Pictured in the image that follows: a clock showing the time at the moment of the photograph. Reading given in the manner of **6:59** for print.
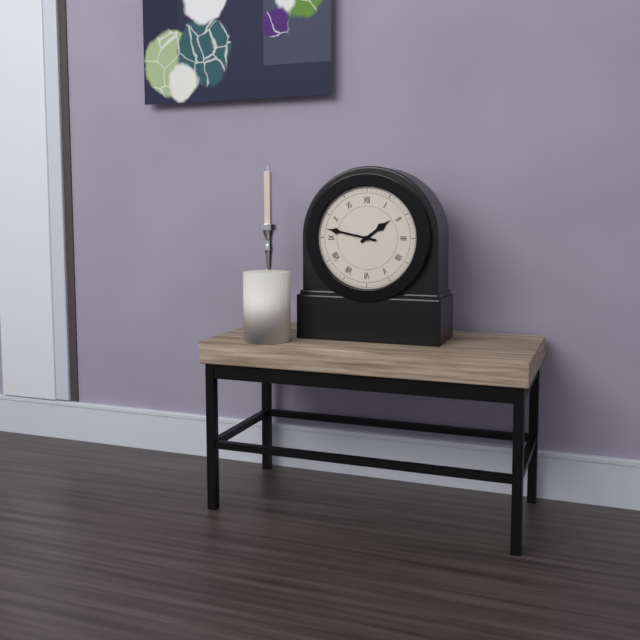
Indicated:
**1:47**
